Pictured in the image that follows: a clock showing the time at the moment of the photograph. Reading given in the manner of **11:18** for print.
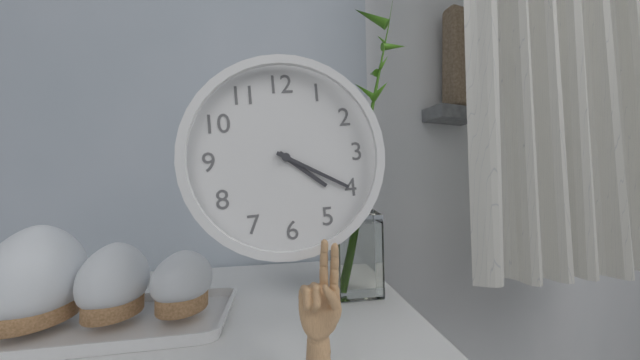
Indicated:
**4:20**
